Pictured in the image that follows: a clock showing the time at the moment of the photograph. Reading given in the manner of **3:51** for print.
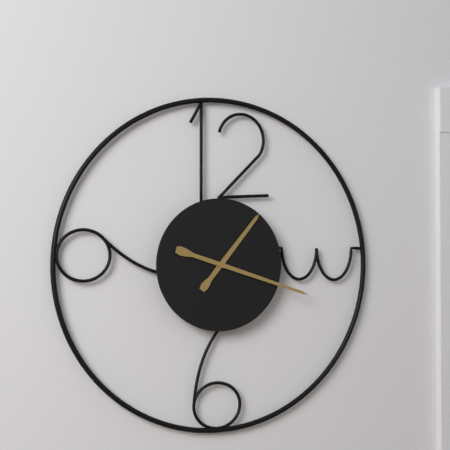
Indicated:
**1:18**
